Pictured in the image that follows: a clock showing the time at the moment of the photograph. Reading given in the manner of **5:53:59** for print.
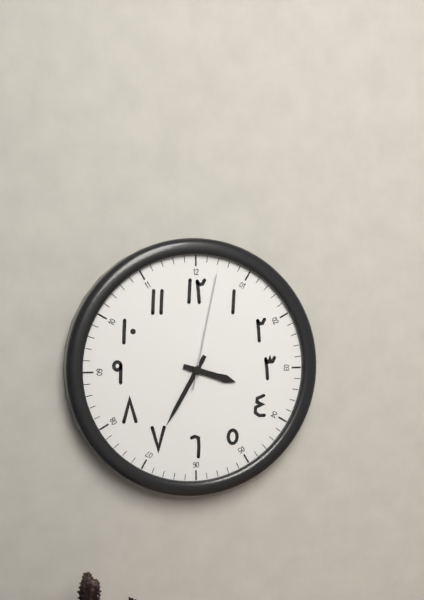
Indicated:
**3:35:02**
